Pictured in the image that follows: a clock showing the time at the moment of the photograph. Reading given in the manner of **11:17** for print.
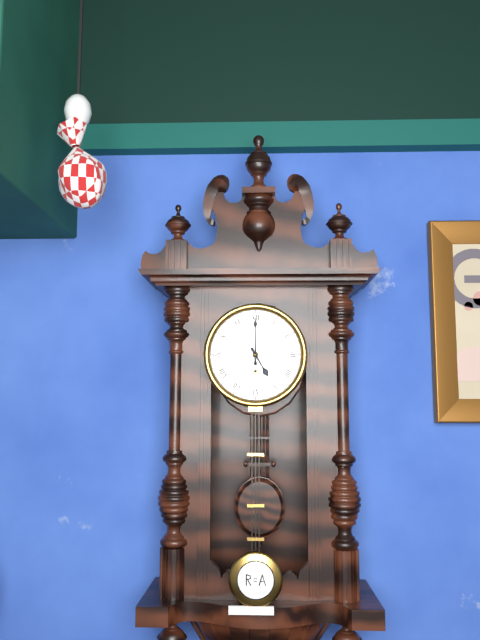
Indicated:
**5:00**
